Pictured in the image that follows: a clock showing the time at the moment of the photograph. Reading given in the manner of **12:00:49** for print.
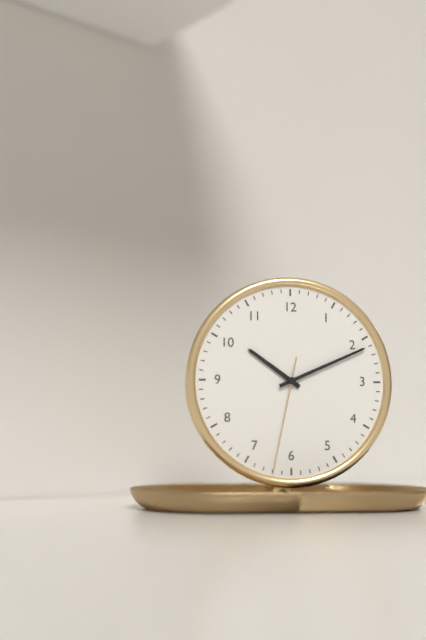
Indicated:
**10:11:32**
